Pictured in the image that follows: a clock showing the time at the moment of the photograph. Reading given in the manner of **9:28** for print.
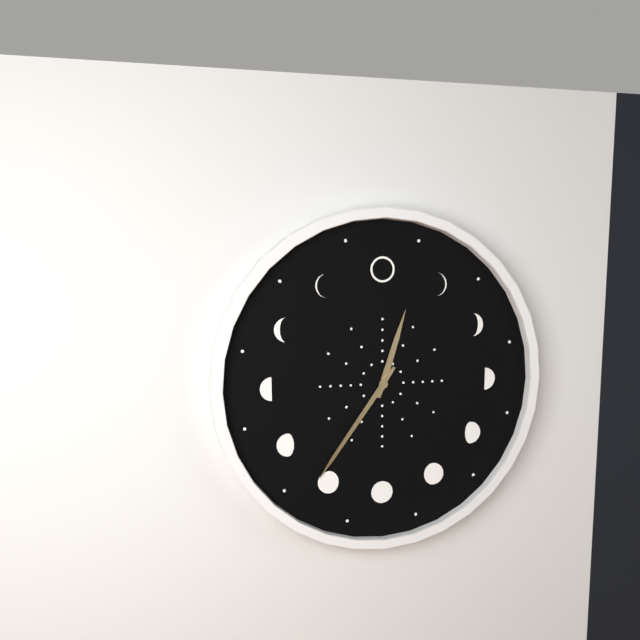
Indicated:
**12:36**
